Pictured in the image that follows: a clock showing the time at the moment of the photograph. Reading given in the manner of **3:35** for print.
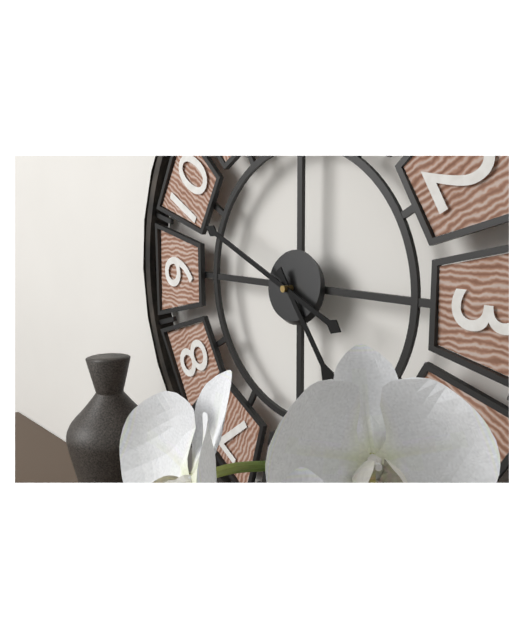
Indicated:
**4:49**
